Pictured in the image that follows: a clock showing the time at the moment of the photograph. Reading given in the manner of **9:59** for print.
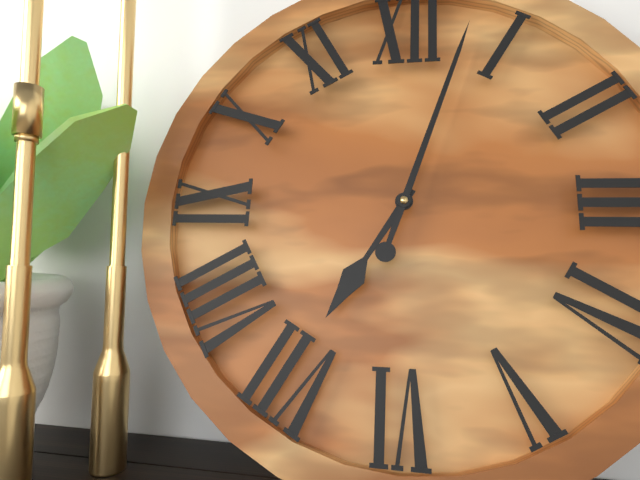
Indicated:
**7:03**
